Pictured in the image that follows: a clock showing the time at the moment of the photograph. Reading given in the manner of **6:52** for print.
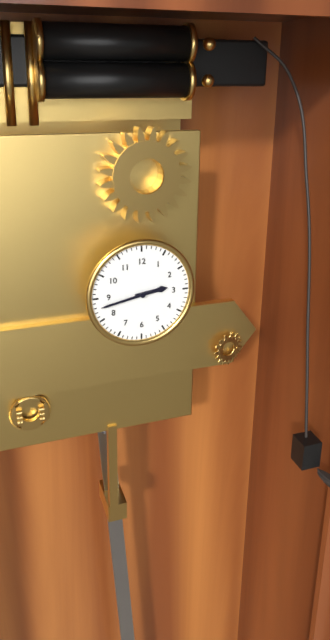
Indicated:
**2:43**
